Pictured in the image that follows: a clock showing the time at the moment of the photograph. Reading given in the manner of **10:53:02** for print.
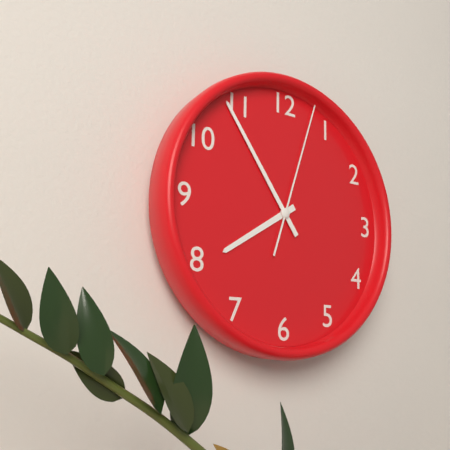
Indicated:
**7:54:03**
